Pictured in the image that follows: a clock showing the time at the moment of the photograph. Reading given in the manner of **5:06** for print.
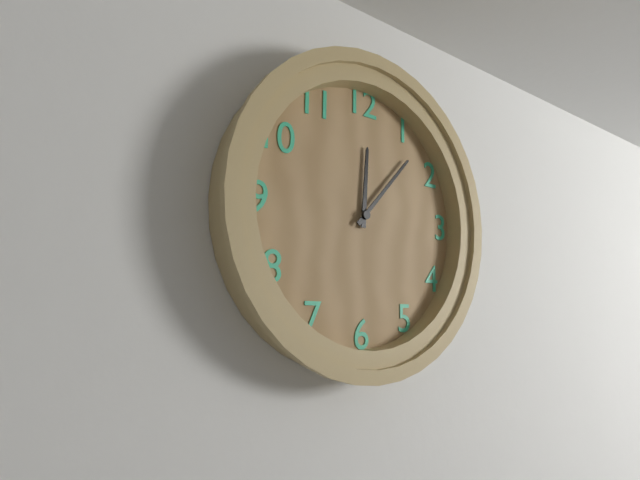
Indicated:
**12:07**
